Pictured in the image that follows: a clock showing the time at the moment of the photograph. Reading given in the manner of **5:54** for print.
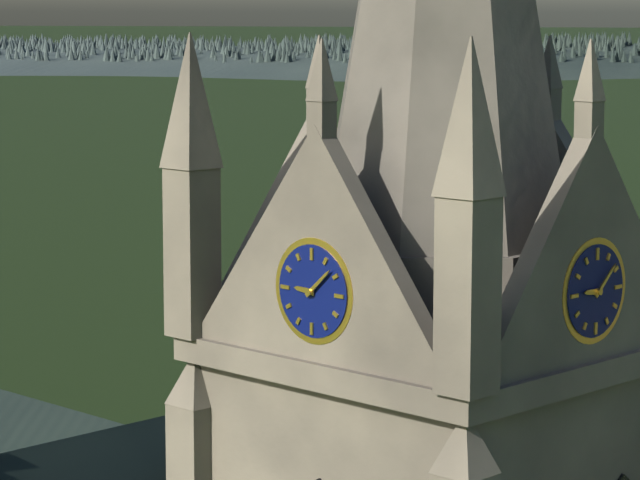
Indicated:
**9:08**
